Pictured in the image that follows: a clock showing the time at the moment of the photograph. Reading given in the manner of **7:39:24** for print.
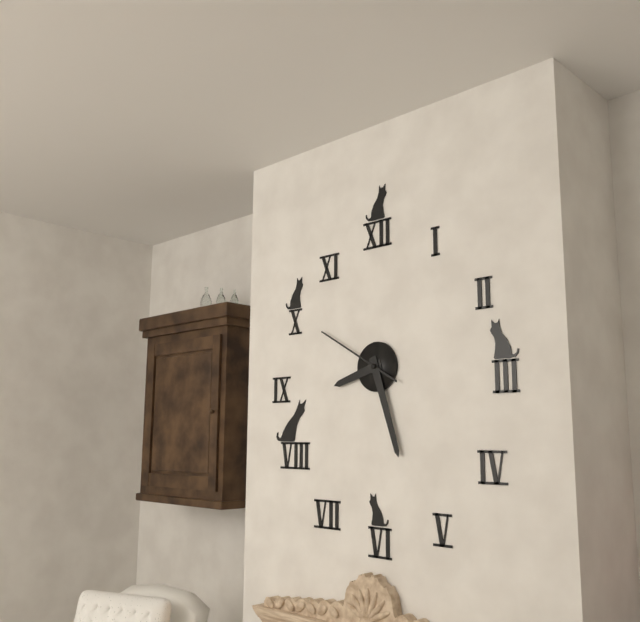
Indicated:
**8:27:50**
